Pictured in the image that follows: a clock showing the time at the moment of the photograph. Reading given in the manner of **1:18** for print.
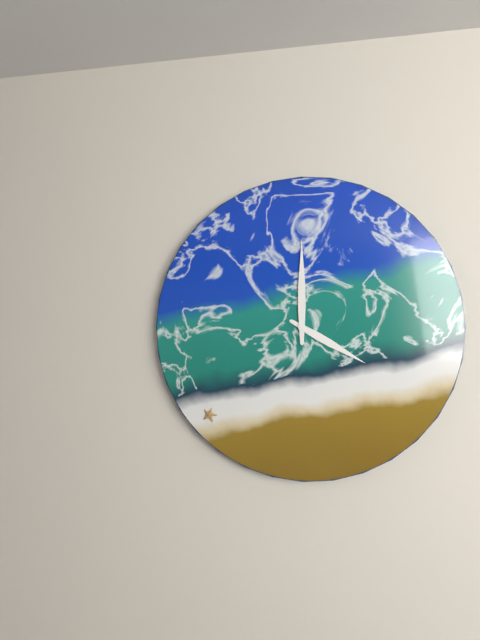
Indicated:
**4:00**
